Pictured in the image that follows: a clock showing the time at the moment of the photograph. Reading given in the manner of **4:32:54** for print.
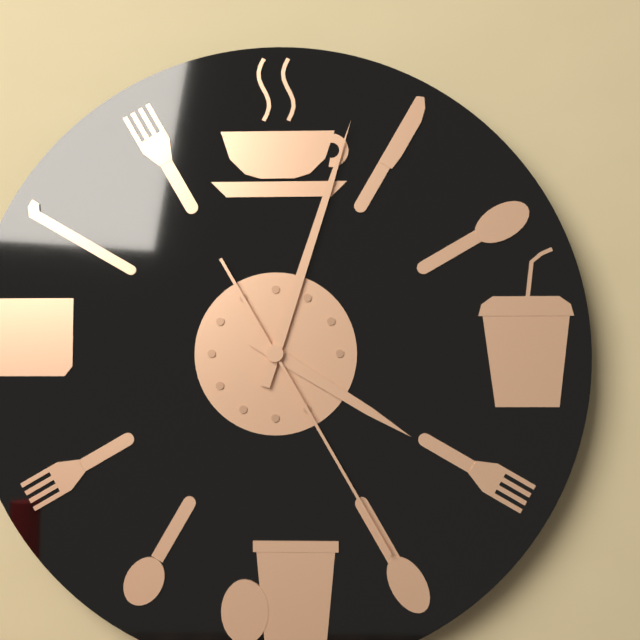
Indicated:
**4:03:25**
